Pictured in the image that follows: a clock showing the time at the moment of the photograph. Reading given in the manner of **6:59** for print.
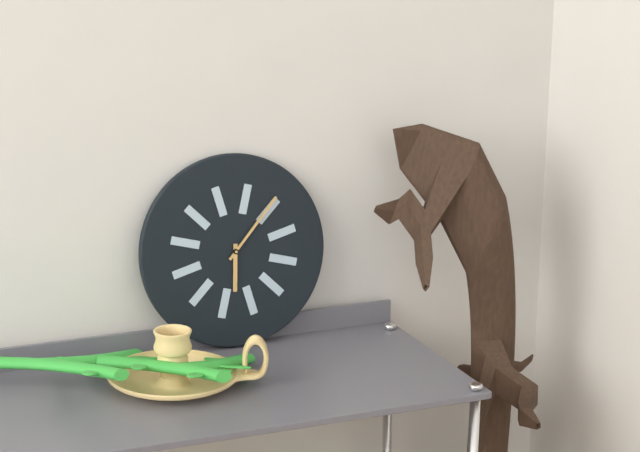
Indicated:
**6:07**
